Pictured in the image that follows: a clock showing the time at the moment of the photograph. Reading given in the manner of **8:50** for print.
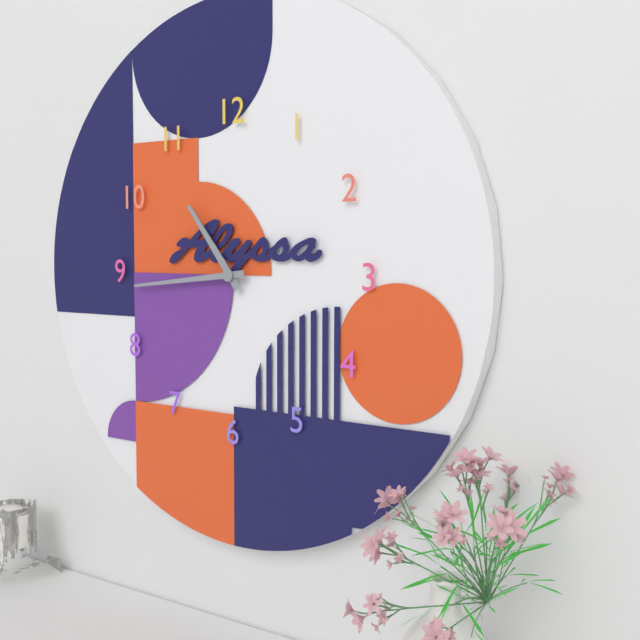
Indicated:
**10:44**
